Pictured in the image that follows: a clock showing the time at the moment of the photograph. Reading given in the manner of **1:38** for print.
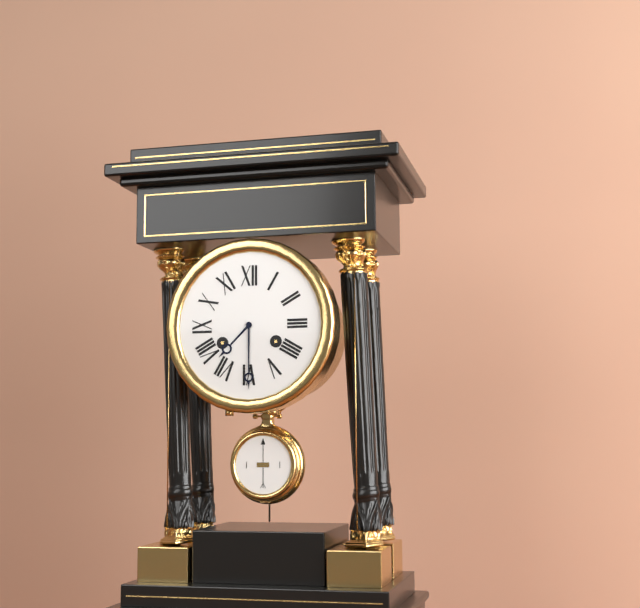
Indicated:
**7:30**
